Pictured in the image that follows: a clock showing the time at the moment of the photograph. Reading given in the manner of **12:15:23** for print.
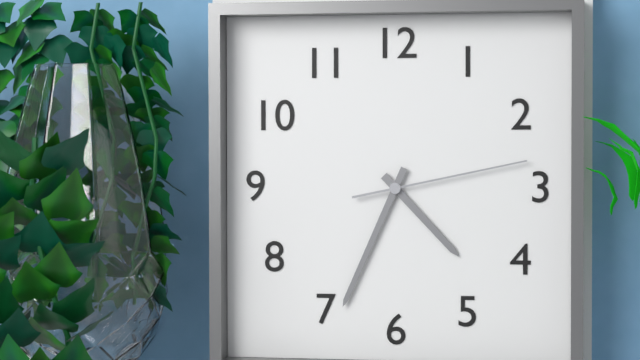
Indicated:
**4:34:13**
